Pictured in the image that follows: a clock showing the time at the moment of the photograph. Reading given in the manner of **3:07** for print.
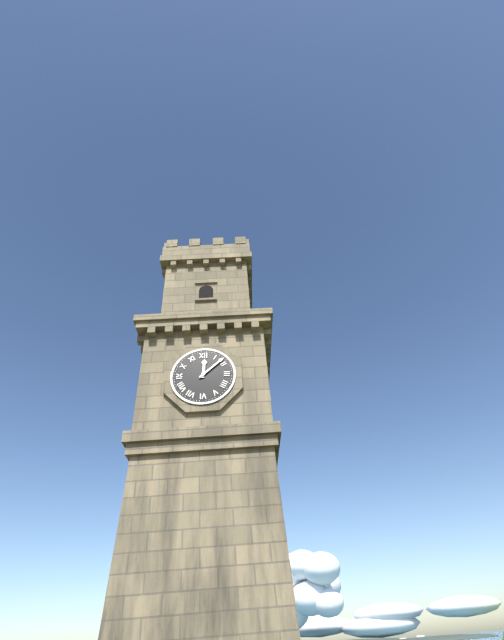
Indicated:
**12:08**
